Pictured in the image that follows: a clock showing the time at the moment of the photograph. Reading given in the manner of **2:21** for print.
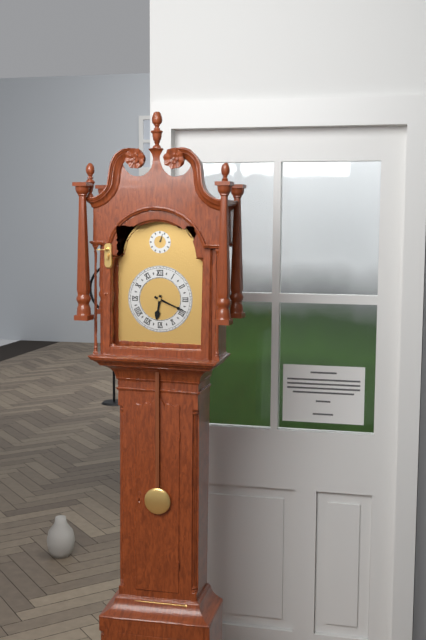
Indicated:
**6:19**
